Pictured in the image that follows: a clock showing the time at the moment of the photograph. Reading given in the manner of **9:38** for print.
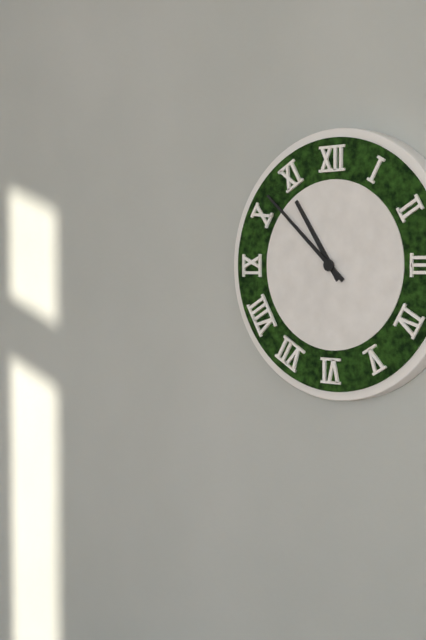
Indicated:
**10:52**
